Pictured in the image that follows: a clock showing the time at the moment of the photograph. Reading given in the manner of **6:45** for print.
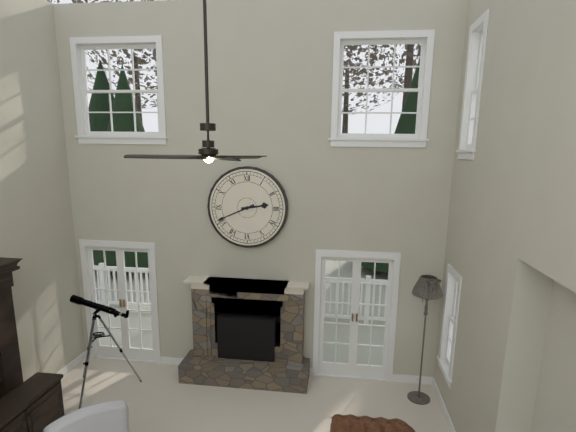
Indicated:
**2:41**
